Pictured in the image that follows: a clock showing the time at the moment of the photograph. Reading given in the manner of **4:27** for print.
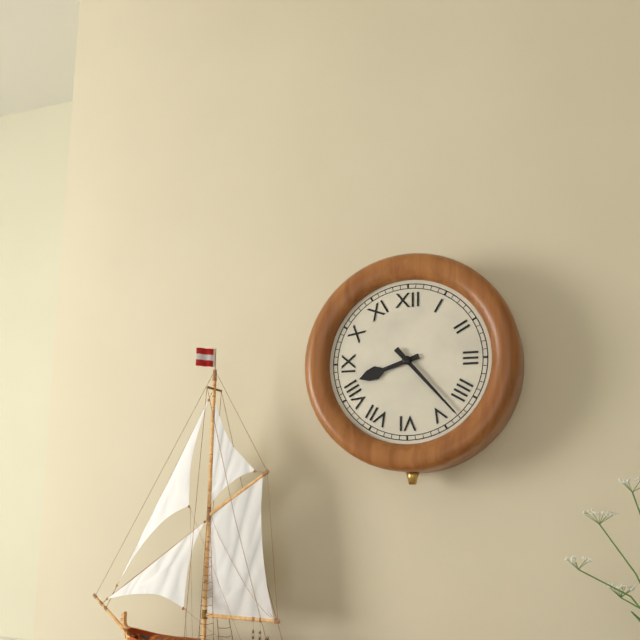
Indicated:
**8:23**
